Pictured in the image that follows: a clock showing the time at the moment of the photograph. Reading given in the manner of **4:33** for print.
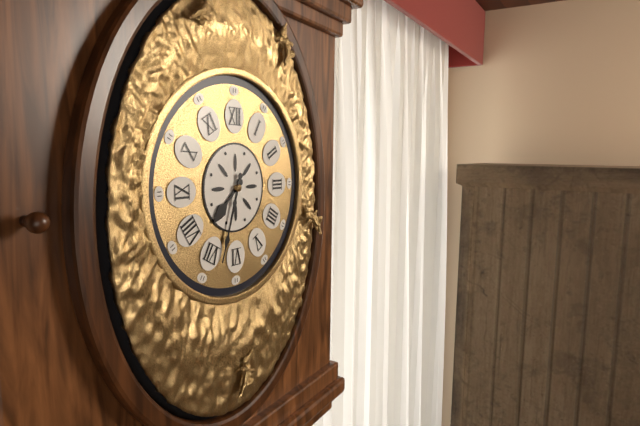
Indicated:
**7:33**
